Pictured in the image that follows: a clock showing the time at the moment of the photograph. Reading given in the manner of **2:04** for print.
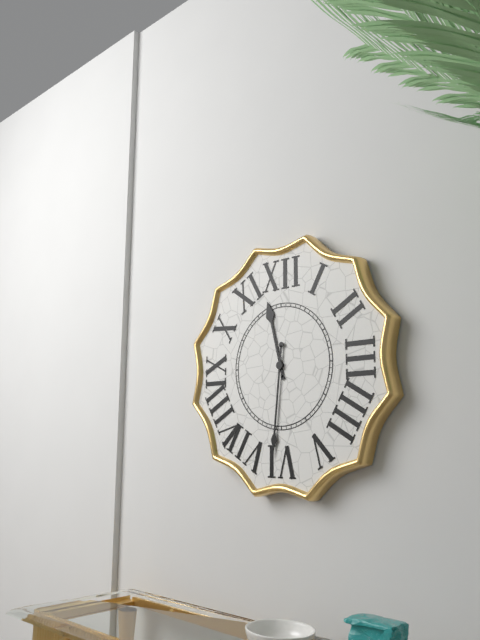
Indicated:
**11:31**
